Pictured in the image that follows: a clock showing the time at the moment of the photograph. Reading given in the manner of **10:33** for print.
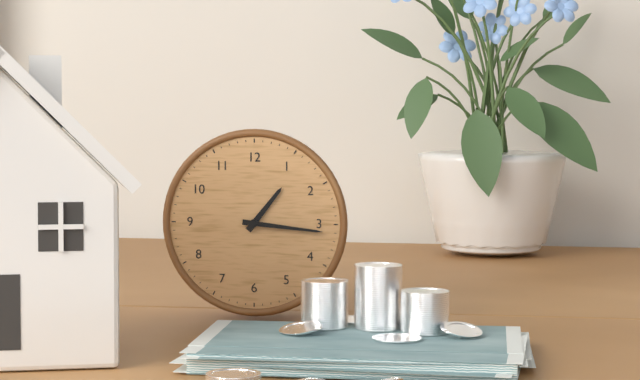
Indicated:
**1:16**
